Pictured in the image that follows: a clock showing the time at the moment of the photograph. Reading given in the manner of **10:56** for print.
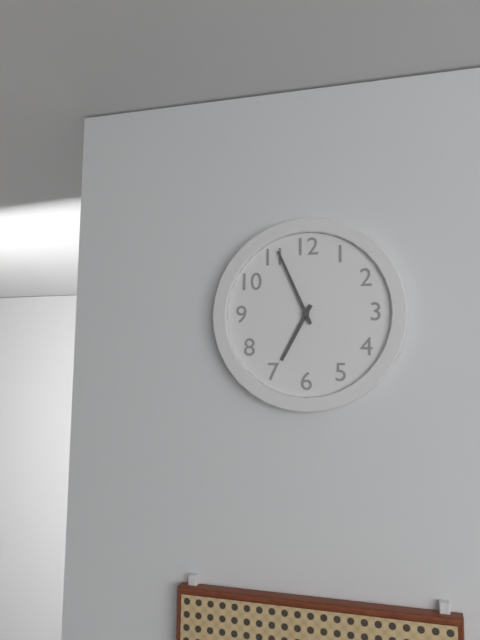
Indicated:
**6:56**
